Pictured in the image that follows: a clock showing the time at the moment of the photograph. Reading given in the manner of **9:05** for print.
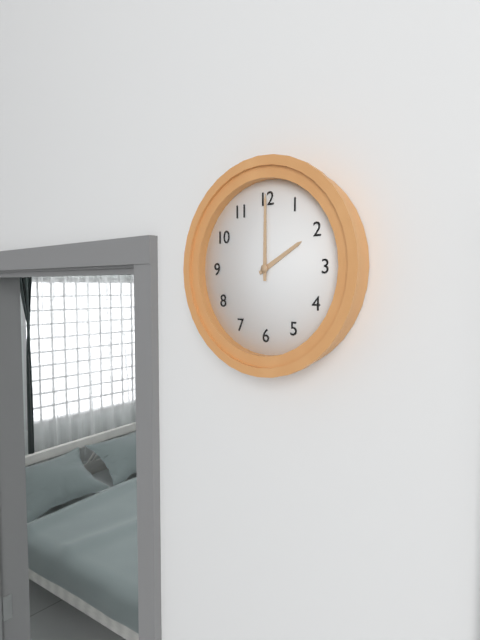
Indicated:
**2:00**
